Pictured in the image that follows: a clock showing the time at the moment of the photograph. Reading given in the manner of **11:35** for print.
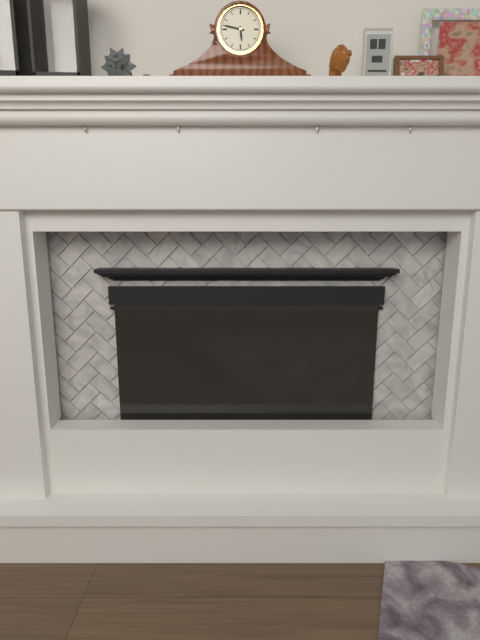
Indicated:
**5:47**
